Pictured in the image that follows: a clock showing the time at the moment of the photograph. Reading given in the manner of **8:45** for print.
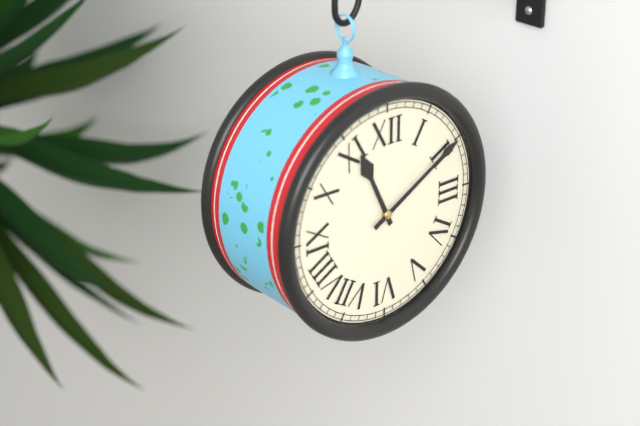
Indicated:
**11:10**
